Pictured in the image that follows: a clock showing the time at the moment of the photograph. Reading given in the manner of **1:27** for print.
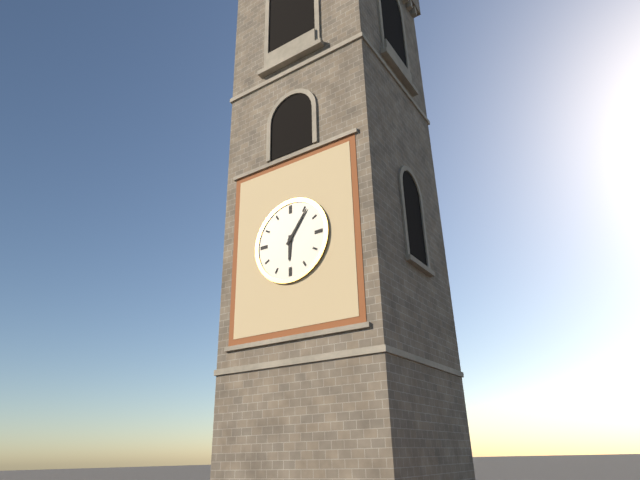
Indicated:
**6:06**
